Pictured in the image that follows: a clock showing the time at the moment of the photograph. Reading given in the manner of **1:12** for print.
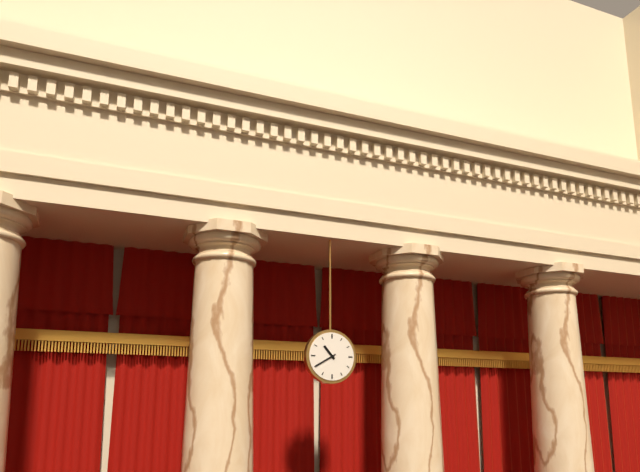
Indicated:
**10:40**
